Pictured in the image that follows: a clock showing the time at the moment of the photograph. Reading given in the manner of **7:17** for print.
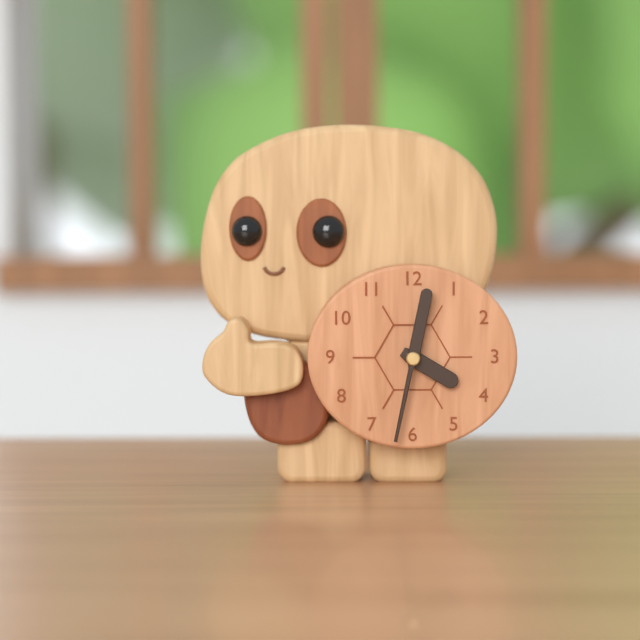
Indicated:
**4:02**
